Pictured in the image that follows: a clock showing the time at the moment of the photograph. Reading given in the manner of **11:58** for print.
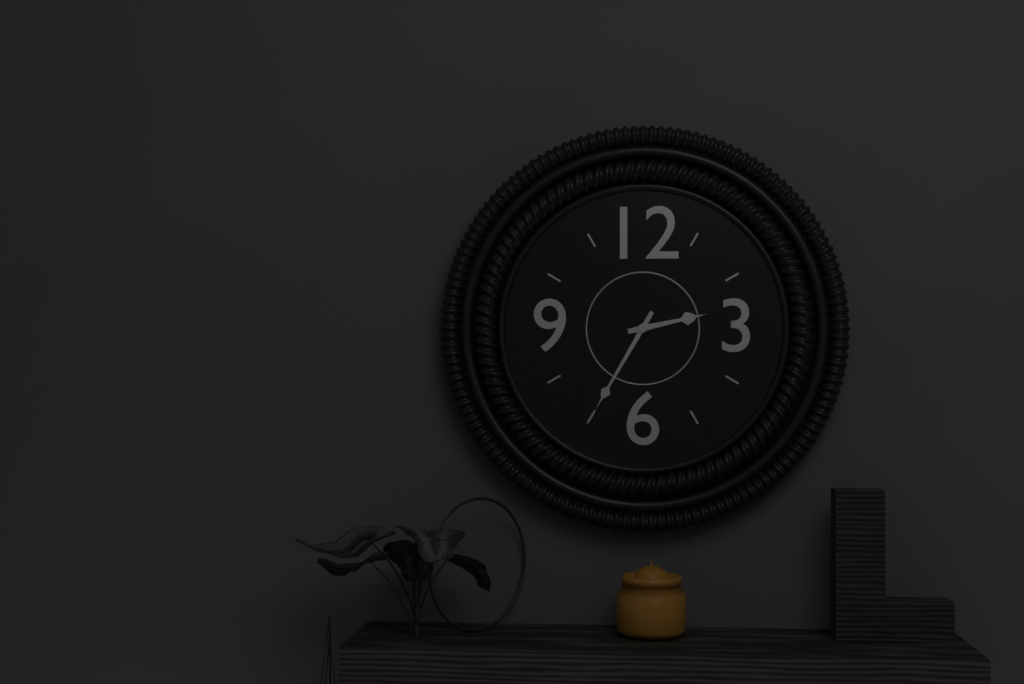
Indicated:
**2:35**
